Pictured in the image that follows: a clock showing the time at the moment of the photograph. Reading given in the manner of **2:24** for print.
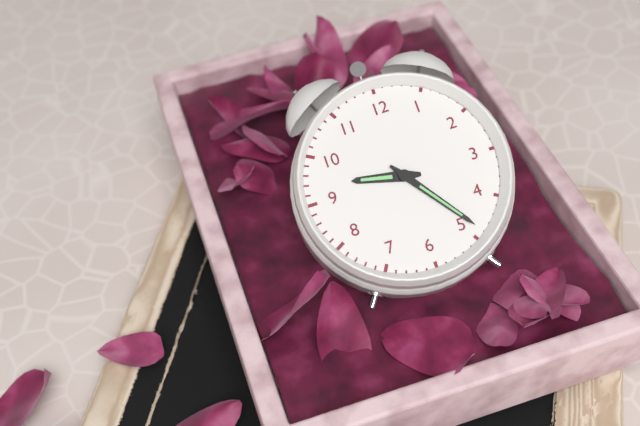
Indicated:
**9:24**
